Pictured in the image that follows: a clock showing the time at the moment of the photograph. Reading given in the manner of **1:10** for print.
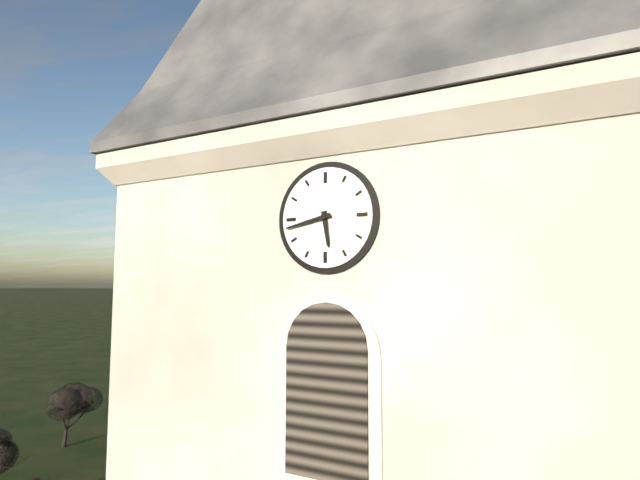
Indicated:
**5:43**
